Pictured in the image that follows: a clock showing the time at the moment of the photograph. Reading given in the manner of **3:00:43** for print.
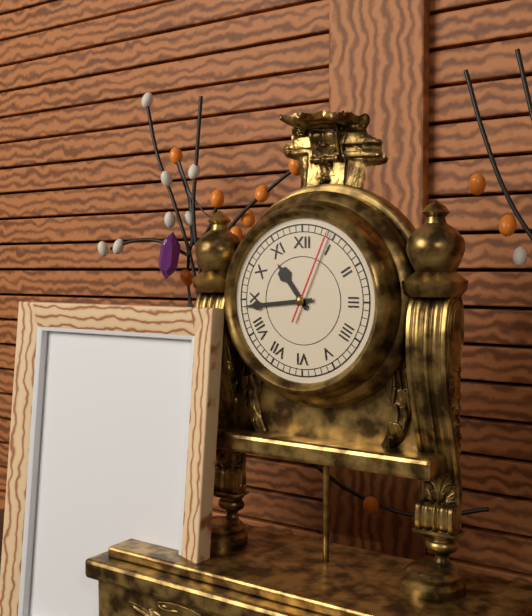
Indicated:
**10:44:04**
